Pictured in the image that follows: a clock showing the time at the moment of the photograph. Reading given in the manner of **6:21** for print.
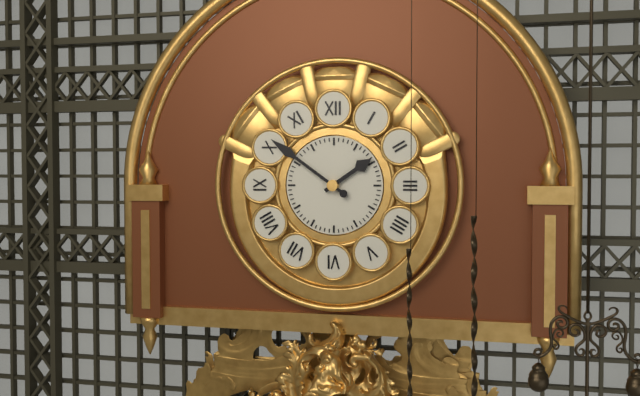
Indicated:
**1:51**
